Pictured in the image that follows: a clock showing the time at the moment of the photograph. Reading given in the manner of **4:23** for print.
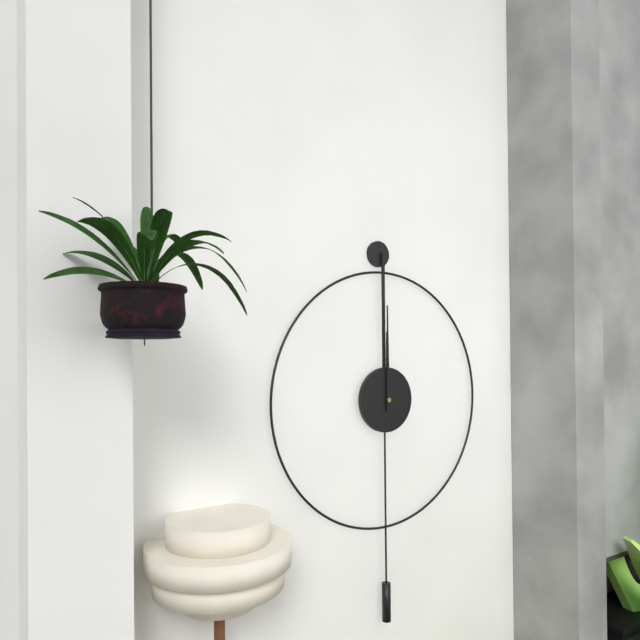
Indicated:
**12:00**
